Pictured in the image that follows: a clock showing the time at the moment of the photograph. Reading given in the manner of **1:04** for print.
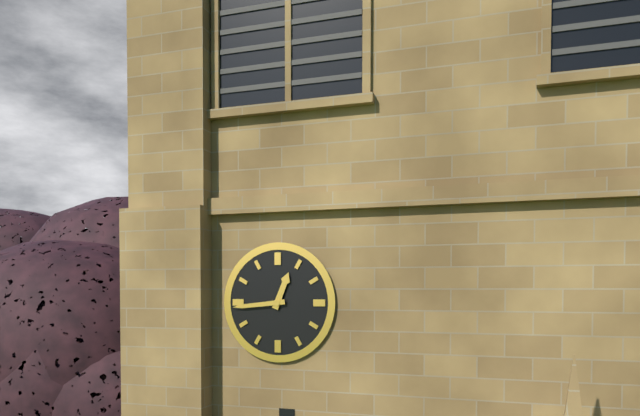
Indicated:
**12:44**
